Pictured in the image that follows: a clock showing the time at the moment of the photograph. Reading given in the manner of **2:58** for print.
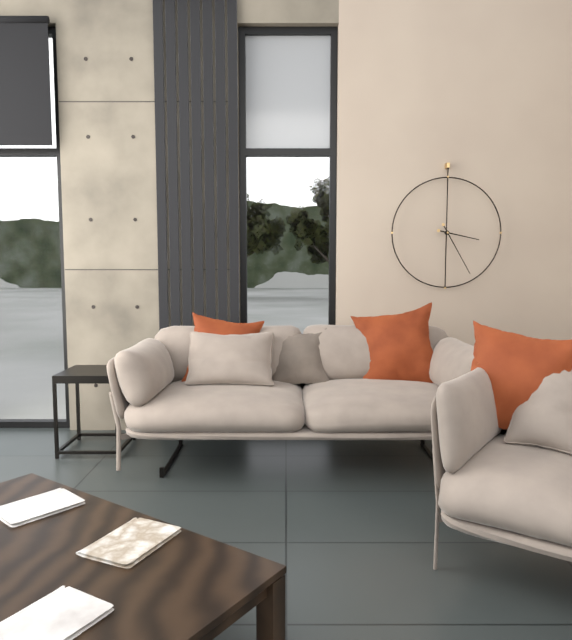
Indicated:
**3:25**
